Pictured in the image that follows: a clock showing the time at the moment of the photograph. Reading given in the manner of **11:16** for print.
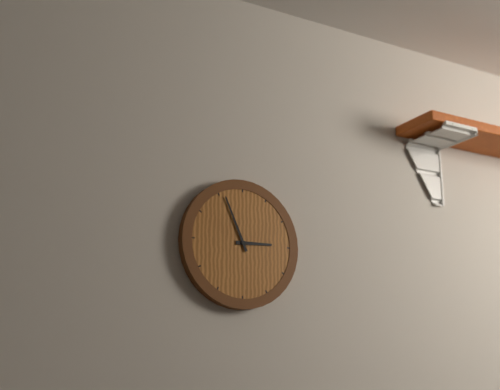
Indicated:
**2:56**
